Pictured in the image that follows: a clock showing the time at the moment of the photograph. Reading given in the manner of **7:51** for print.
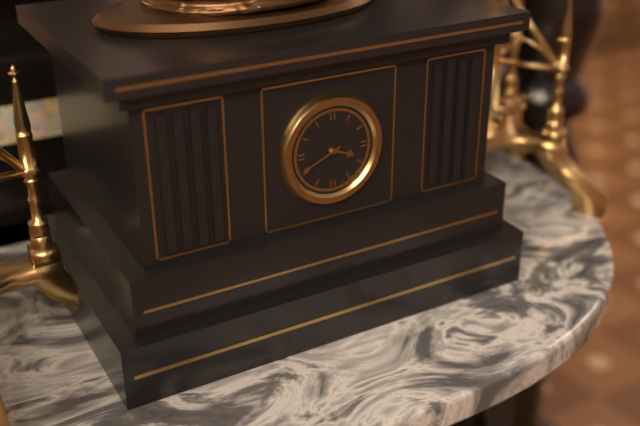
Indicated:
**3:41**
